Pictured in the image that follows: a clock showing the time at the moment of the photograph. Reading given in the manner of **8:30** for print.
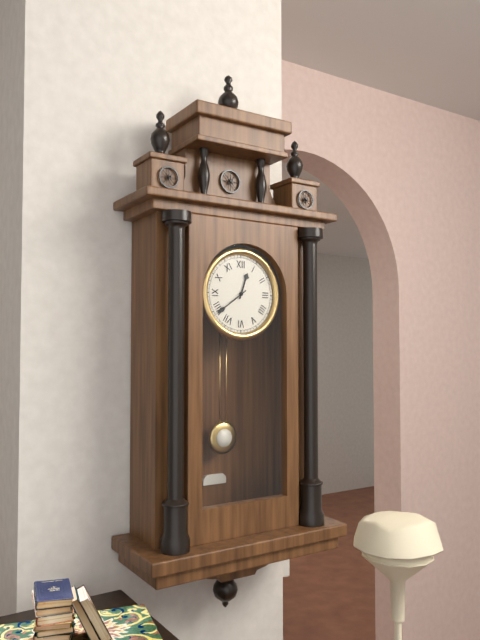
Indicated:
**12:39**
